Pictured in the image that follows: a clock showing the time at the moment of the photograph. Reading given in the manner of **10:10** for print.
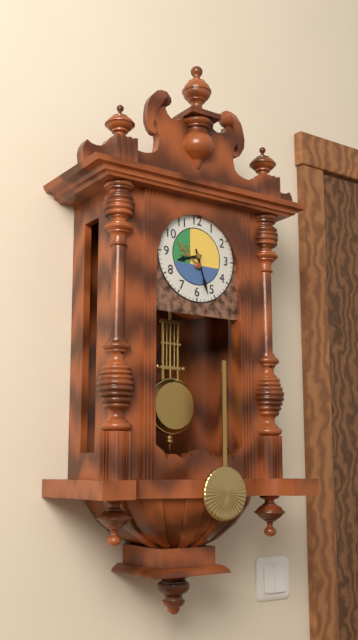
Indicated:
**8:27**
